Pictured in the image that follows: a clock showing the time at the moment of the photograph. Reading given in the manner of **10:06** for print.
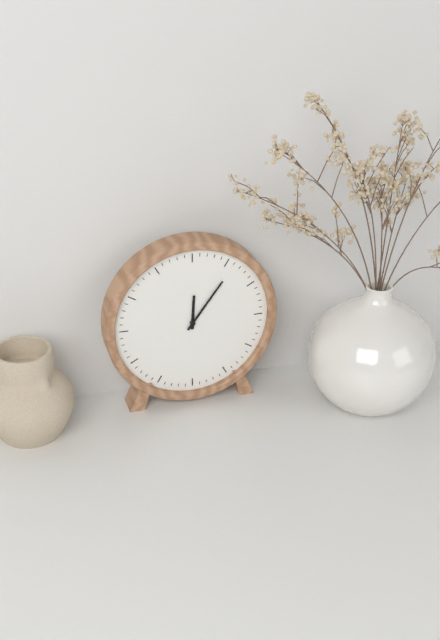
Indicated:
**12:06**
